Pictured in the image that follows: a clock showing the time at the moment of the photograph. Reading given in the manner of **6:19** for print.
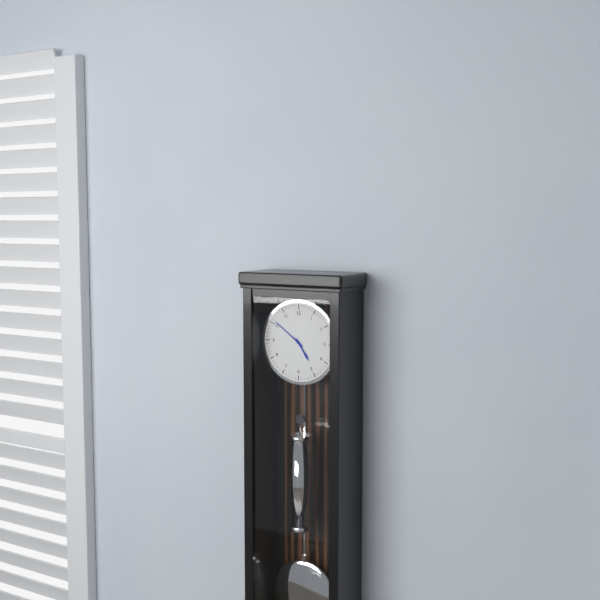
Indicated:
**4:51**
